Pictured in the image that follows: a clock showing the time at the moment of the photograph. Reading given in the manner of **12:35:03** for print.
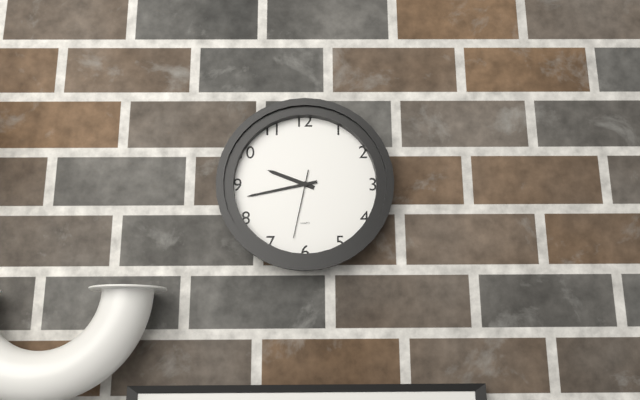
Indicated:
**9:43:32**
